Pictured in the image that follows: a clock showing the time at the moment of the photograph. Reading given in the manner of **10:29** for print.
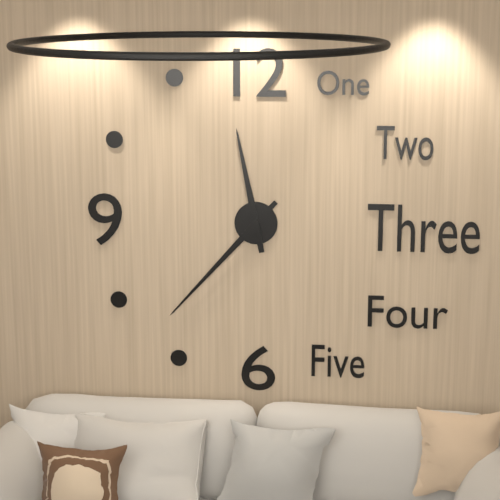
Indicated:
**11:37**
